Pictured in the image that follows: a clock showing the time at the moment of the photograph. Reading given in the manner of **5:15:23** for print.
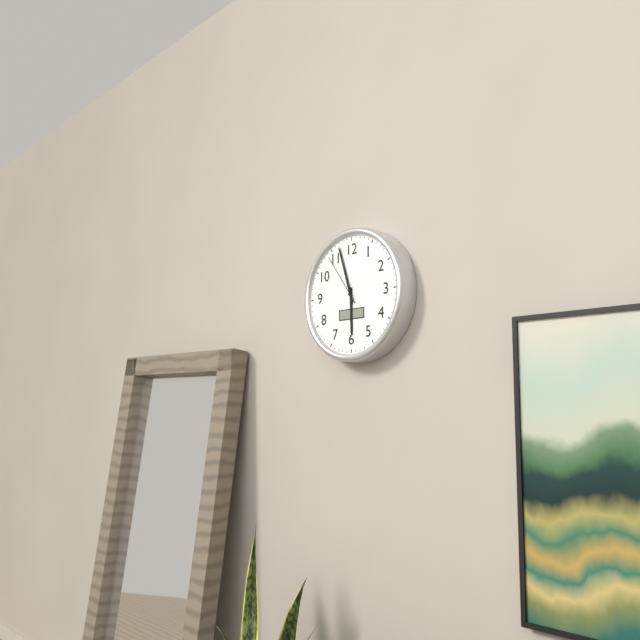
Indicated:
**5:57:54**
